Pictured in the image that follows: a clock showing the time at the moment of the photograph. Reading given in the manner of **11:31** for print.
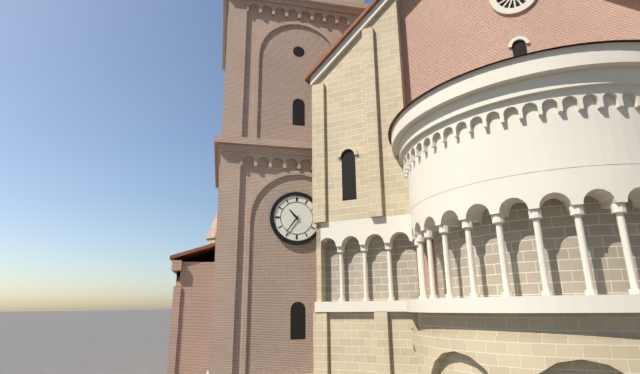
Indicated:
**10:36**
